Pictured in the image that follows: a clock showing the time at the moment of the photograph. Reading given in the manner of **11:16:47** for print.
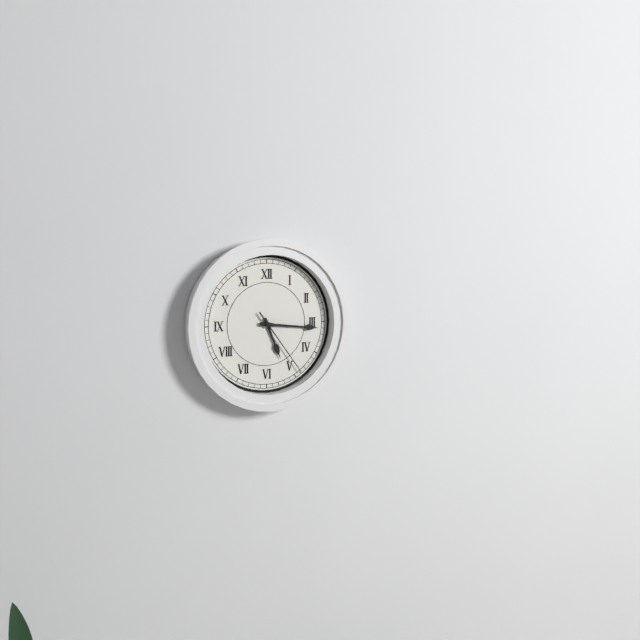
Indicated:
**5:16:24**
